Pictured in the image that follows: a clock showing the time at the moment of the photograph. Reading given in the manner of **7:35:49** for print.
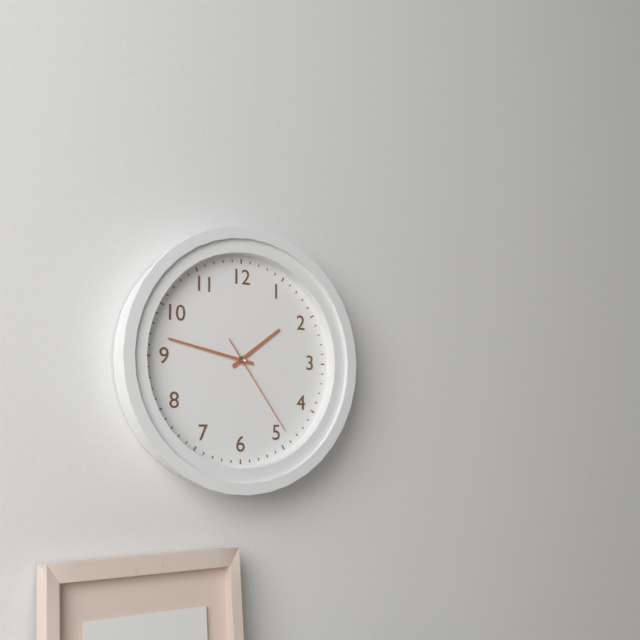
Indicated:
**1:47:24**
